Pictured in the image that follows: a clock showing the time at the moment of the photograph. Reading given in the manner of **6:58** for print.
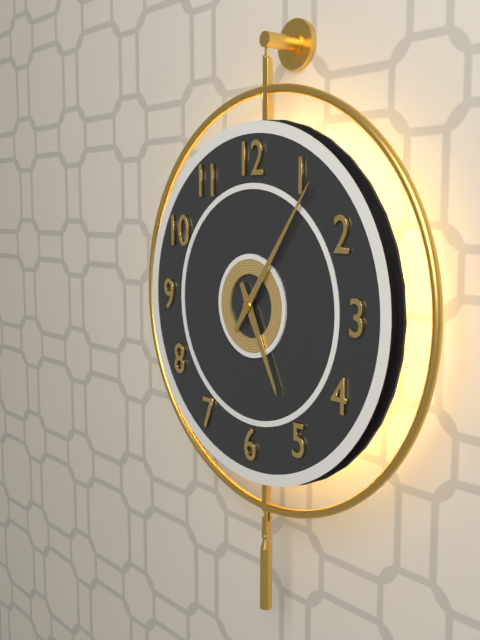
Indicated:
**5:06**
